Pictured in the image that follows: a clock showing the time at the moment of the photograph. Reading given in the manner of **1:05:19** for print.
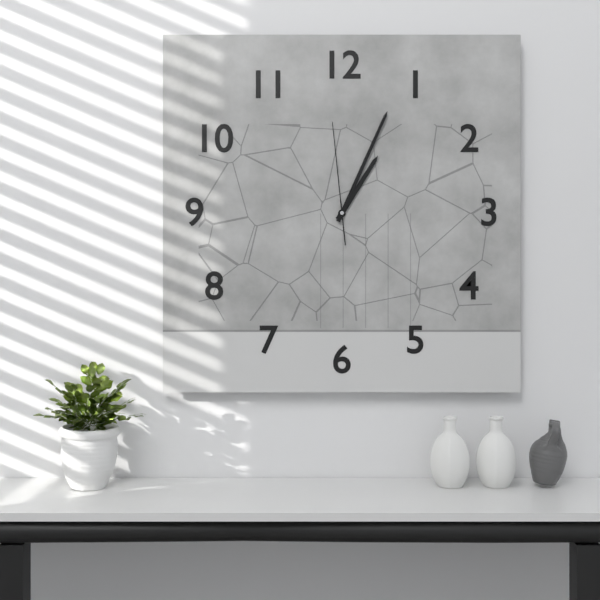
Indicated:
**1:04:59**
